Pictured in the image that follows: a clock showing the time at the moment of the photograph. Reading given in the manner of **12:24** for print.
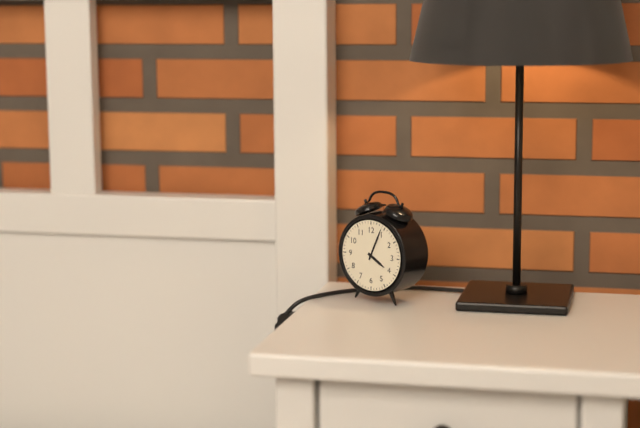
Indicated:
**4:04**
